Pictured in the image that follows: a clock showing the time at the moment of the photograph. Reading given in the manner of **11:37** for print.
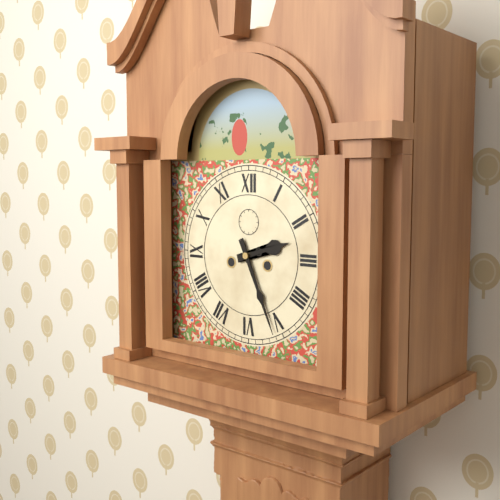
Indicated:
**2:26**
